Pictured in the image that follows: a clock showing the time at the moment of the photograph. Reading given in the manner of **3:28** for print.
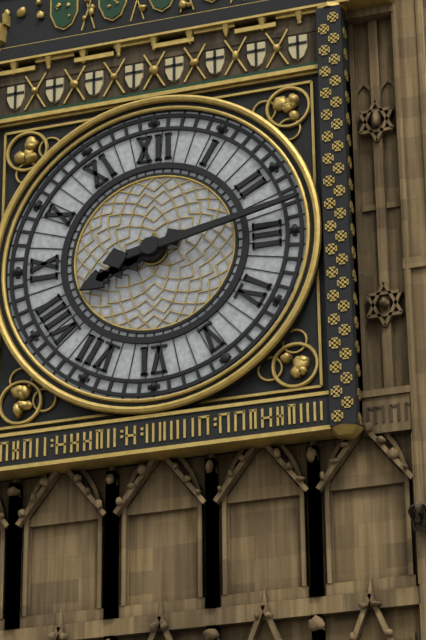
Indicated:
**8:13**
